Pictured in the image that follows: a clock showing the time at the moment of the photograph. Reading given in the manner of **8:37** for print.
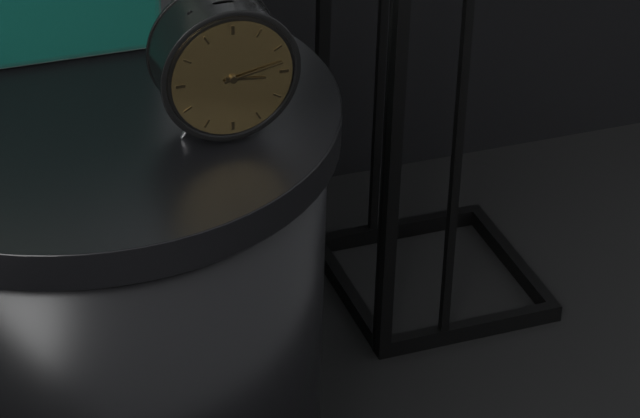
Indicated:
**3:13**
